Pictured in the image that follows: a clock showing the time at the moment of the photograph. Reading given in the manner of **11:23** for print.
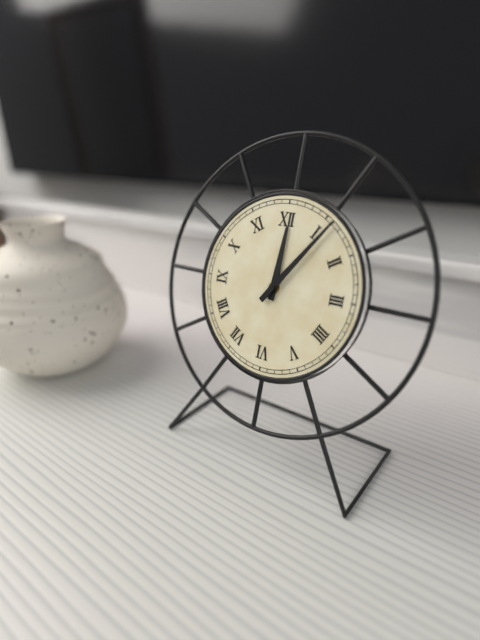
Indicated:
**12:06**
